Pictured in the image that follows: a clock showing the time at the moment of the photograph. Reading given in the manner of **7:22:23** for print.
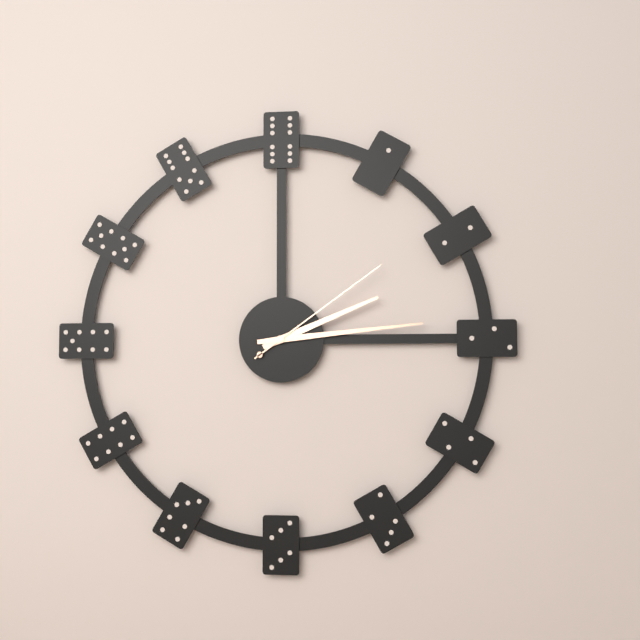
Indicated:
**2:14:09**
